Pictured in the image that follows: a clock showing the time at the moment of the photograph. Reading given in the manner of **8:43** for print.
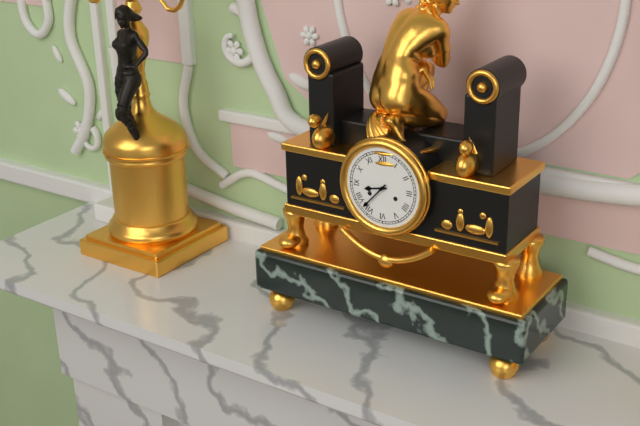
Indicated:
**8:37**
